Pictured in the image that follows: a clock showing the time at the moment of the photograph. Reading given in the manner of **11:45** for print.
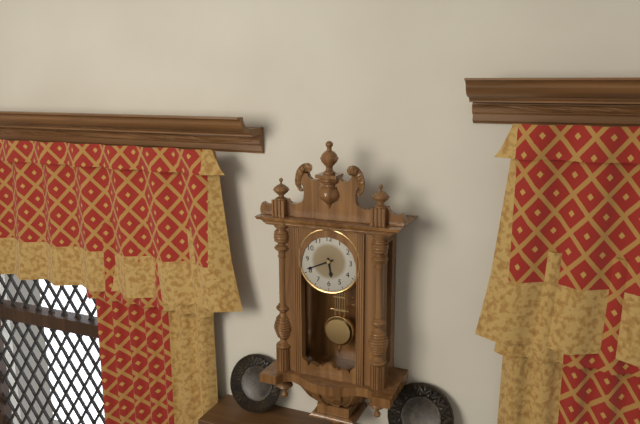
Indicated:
**5:41**
